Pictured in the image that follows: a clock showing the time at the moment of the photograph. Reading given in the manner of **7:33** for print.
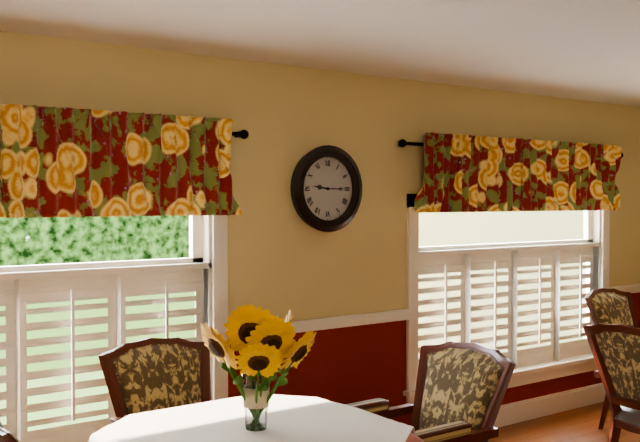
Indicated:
**9:15**
